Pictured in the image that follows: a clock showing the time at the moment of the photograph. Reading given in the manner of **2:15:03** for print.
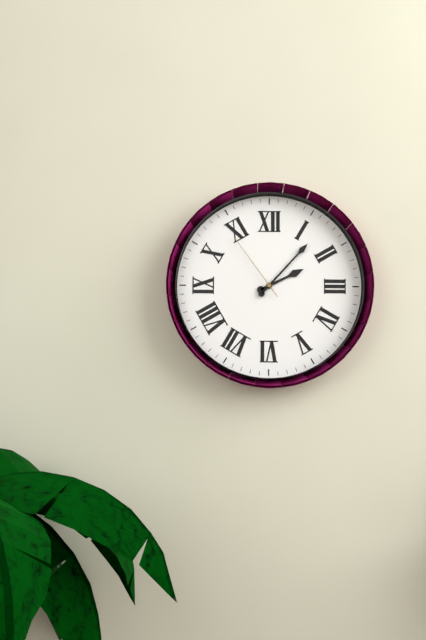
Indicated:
**2:07:54**
